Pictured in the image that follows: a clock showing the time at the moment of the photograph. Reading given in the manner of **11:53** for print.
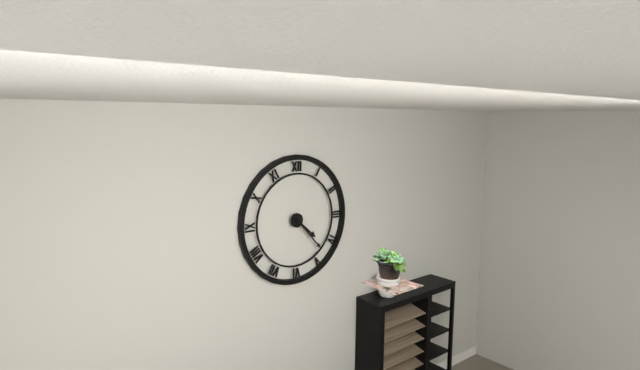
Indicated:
**4:23**
